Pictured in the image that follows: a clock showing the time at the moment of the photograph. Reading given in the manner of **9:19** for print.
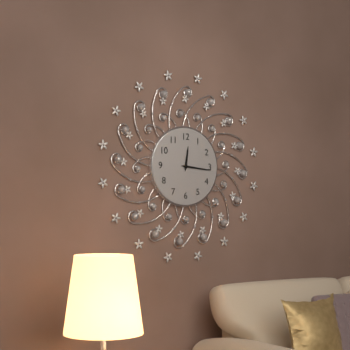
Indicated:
**12:16**
